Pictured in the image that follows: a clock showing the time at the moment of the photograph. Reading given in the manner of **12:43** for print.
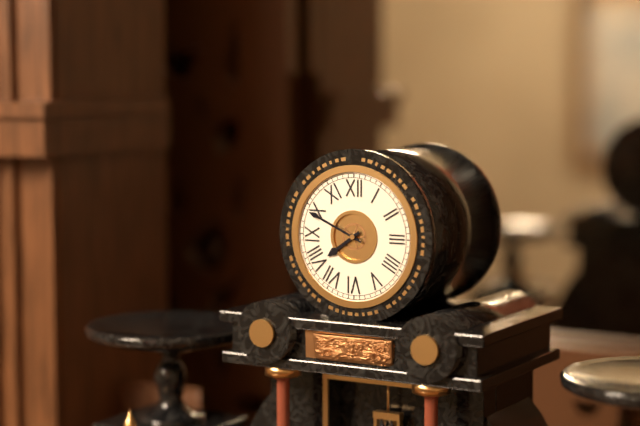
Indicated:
**7:49**
